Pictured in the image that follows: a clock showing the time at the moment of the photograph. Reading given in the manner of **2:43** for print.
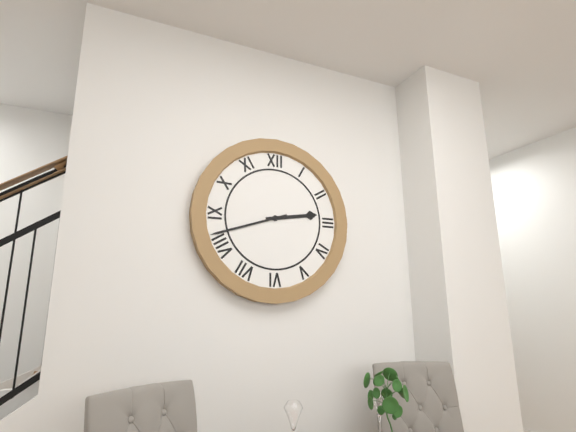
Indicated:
**2:42**
